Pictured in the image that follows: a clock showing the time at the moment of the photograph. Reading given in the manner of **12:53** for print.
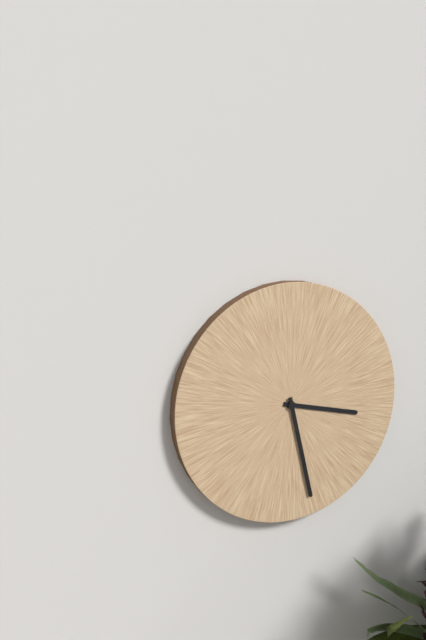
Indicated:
**3:28**
